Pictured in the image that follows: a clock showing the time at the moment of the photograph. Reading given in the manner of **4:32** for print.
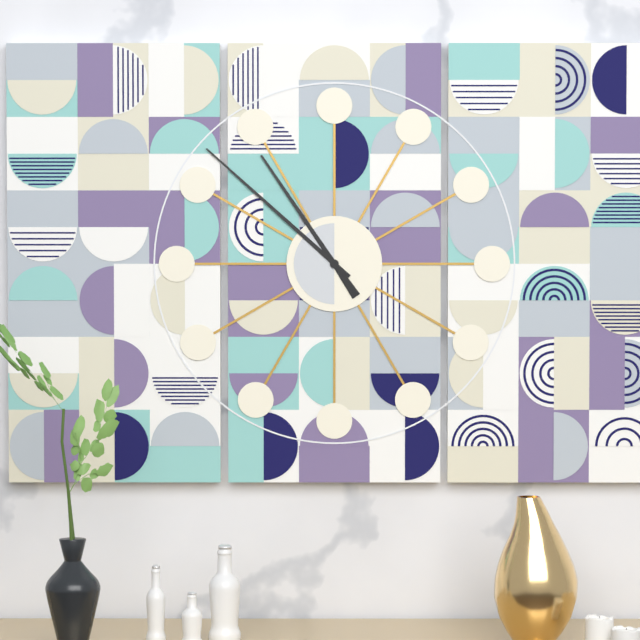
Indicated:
**10:52**
